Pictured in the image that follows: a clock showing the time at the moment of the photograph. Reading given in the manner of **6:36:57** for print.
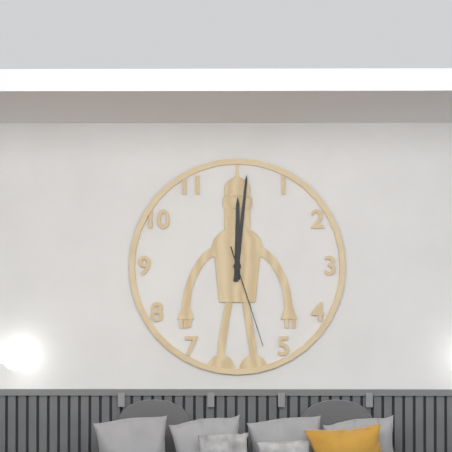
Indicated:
**12:01:27**
